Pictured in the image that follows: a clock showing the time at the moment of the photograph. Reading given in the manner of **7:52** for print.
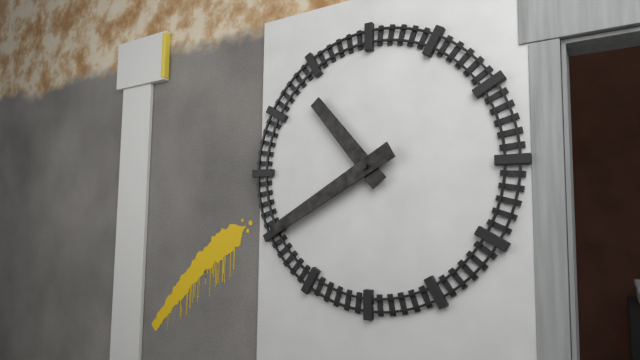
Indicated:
**10:40**
